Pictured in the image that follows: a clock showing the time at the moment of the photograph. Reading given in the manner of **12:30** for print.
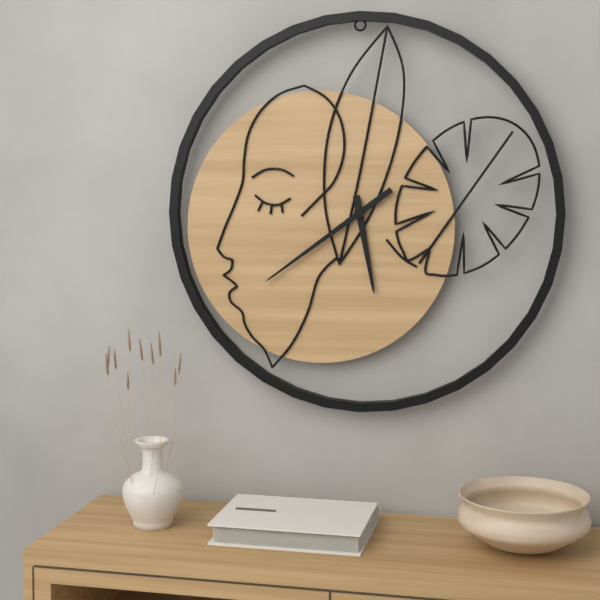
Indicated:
**5:39**
